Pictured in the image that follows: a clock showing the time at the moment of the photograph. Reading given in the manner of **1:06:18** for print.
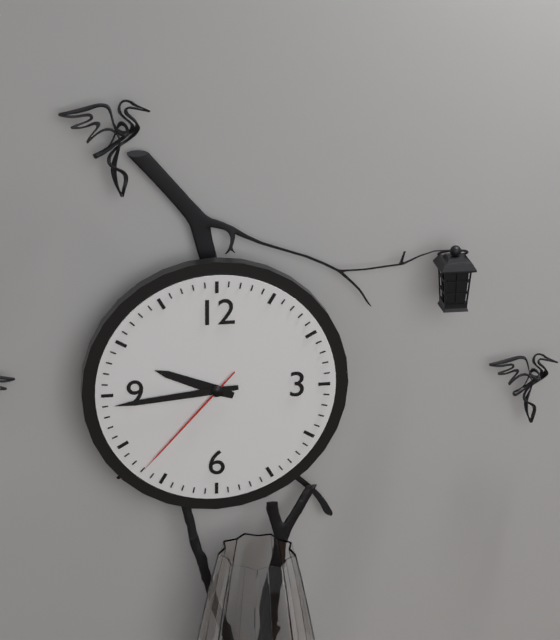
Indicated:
**9:44:37**
